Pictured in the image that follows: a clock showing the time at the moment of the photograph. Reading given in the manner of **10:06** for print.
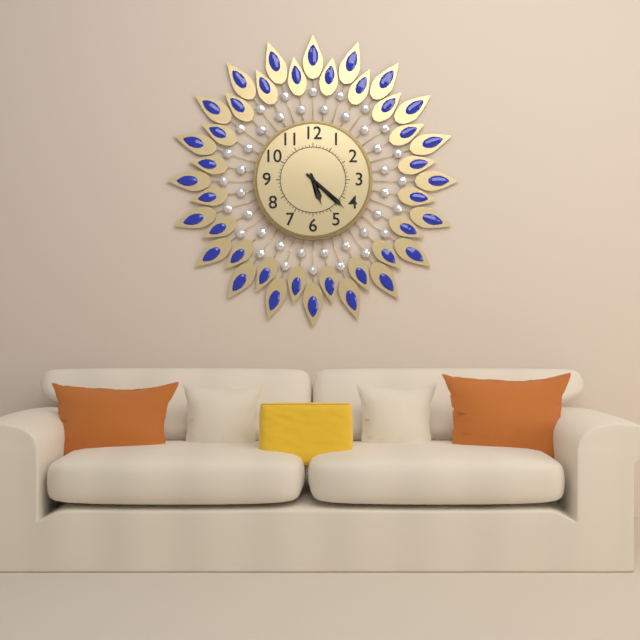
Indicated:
**5:22**
